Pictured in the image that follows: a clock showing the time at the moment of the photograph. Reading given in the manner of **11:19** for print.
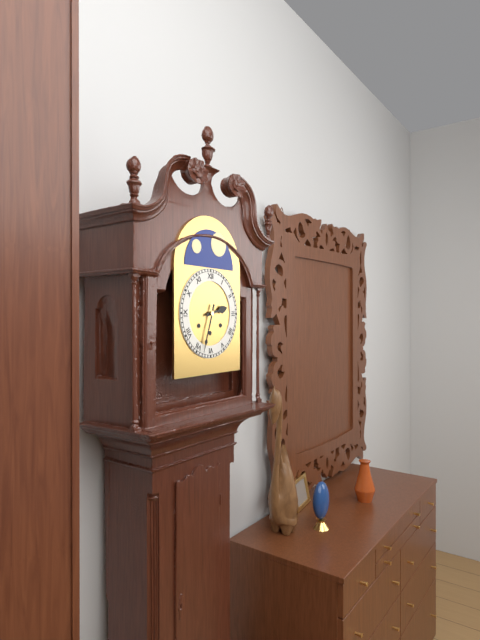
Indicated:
**2:33**
